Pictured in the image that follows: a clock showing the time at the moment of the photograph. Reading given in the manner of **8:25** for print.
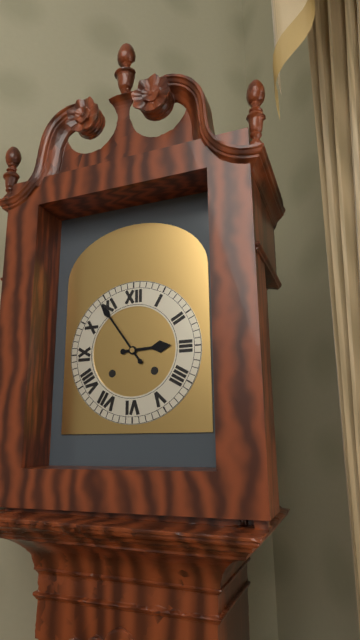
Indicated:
**2:54**
